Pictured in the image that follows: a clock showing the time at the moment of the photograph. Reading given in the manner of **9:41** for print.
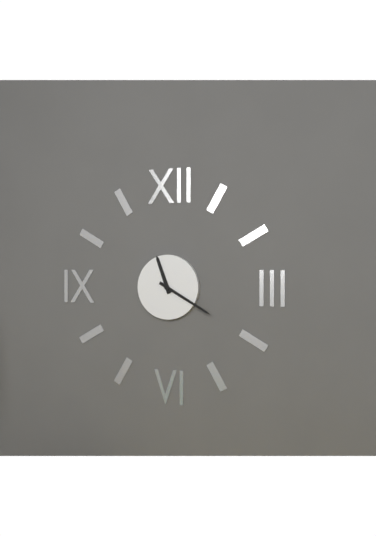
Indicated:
**11:20**
